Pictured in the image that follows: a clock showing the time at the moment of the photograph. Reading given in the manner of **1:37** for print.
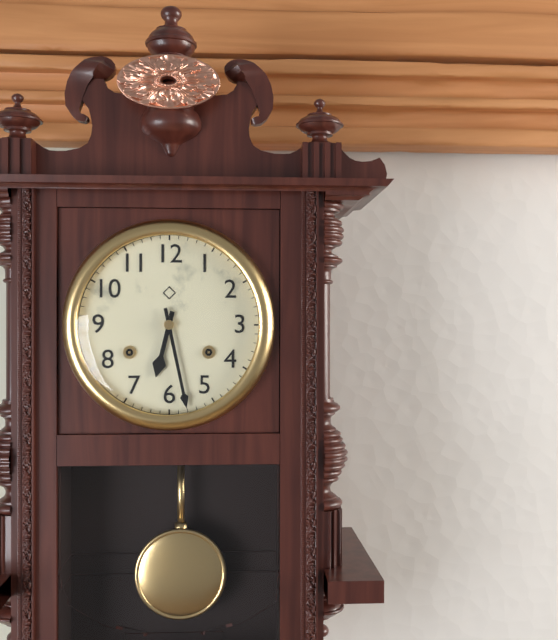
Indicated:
**6:28**
